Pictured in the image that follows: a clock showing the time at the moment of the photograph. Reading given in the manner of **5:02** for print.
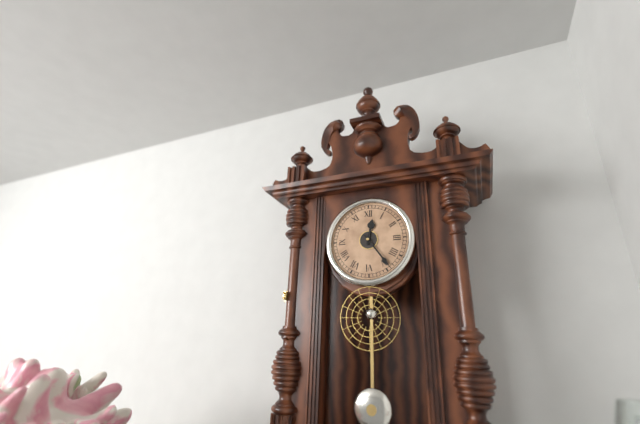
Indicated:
**12:24**
